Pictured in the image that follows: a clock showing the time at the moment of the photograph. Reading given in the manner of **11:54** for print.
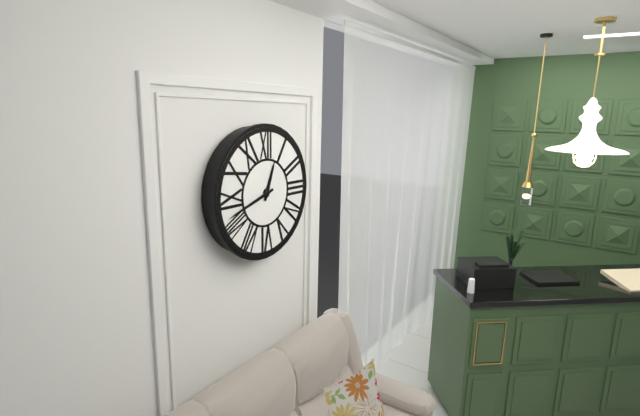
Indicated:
**12:42**
